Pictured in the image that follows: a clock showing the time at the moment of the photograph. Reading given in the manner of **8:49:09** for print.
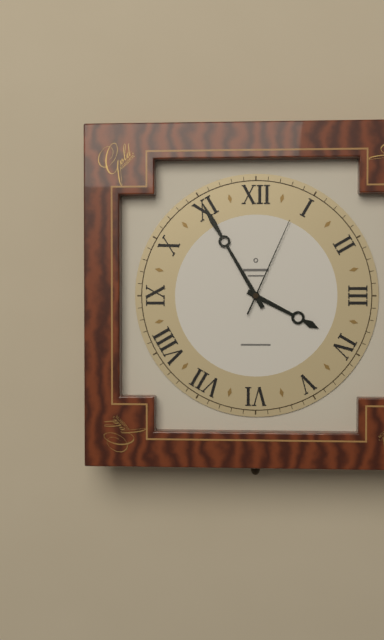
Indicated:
**3:55:04**
